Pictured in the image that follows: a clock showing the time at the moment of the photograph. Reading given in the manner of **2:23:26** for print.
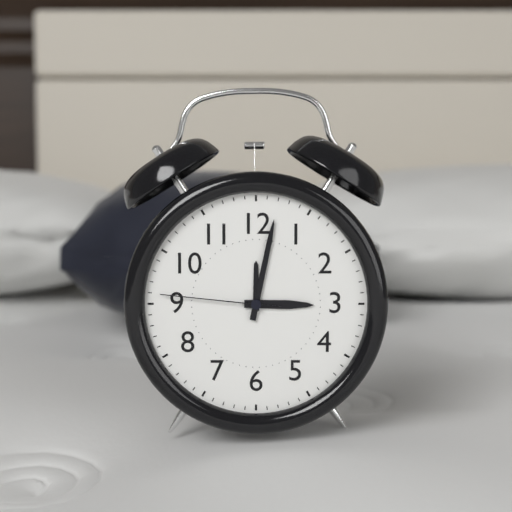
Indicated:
**3:02:46**
